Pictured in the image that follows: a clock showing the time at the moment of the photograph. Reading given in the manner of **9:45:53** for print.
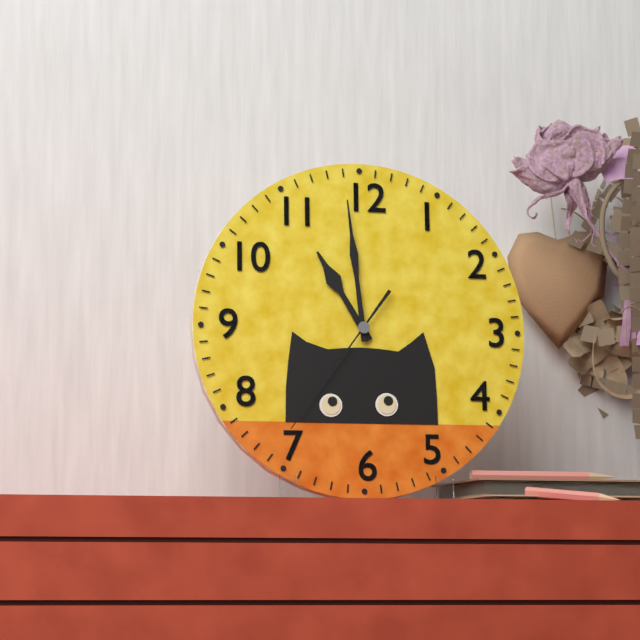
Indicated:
**10:59:36**
